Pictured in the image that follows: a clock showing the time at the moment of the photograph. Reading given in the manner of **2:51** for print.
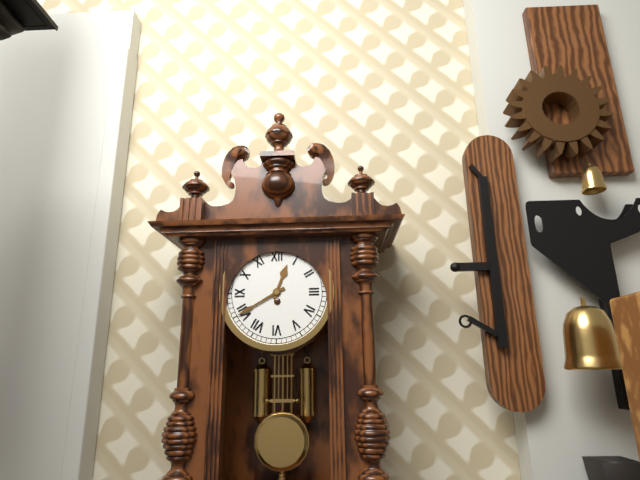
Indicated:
**12:40**
